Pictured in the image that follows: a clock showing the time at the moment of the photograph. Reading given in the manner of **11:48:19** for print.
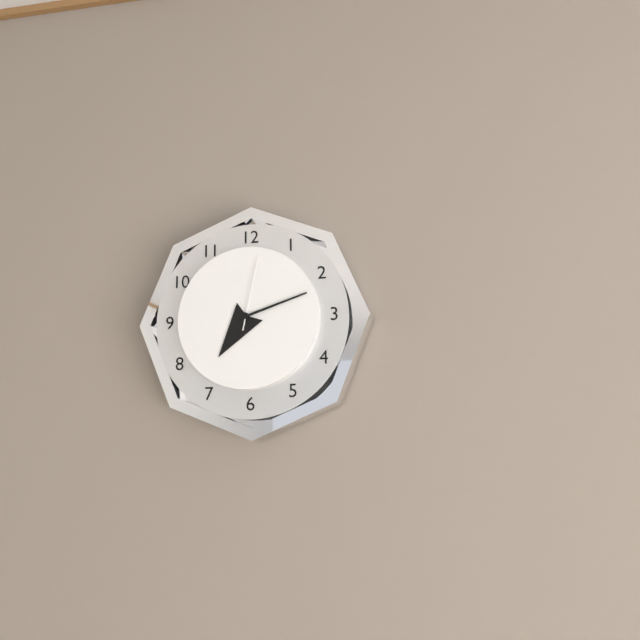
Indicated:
**7:12:02**
